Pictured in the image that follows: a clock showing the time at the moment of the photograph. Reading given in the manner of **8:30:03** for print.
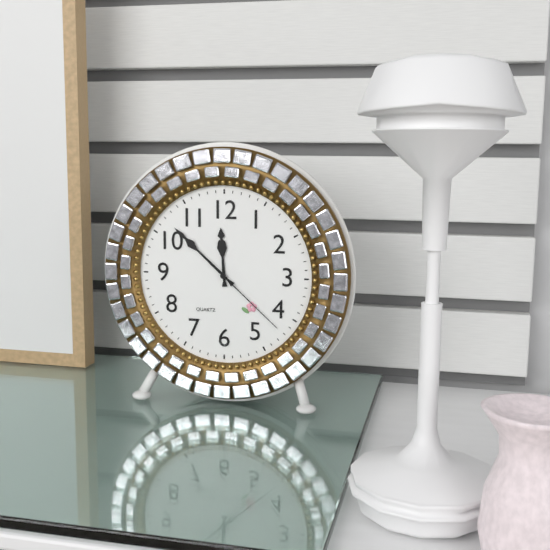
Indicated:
**11:52:22**
